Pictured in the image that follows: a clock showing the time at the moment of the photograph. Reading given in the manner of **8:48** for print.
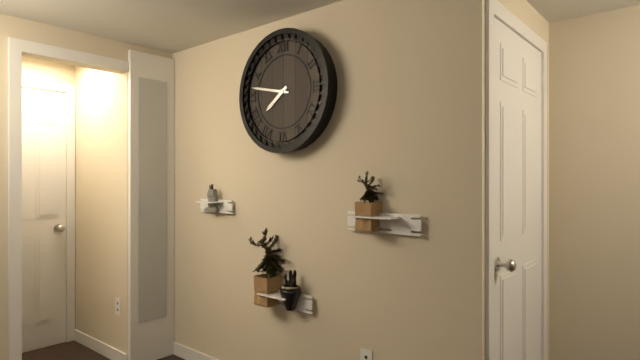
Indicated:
**7:47**
